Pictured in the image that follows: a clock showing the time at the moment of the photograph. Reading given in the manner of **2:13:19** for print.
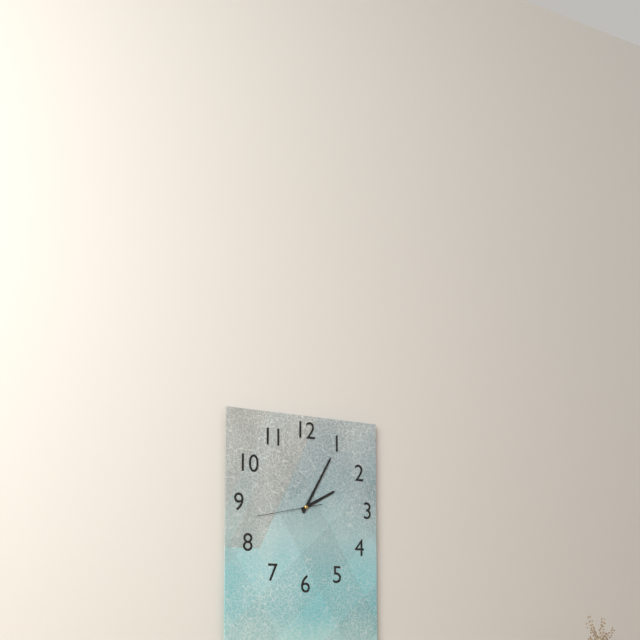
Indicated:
**2:05:43**
